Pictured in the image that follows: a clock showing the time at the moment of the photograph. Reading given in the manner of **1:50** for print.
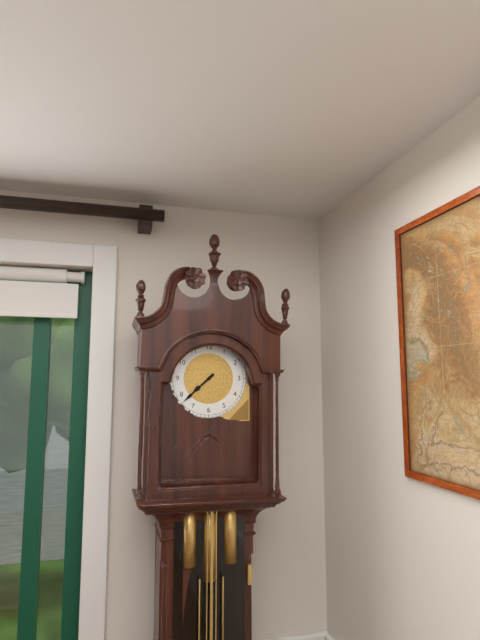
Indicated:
**7:38**
